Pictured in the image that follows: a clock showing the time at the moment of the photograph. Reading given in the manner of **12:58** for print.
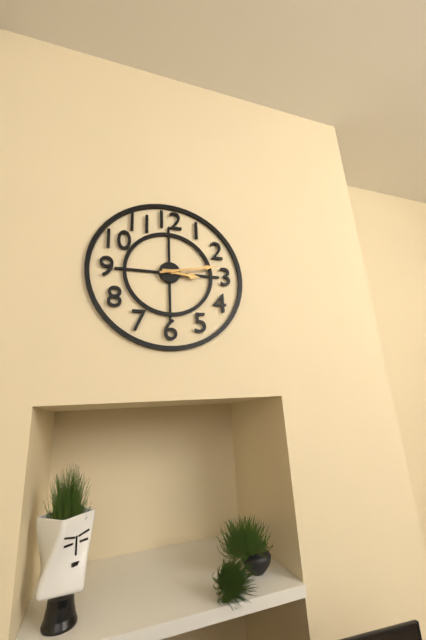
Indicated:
**3:13**
